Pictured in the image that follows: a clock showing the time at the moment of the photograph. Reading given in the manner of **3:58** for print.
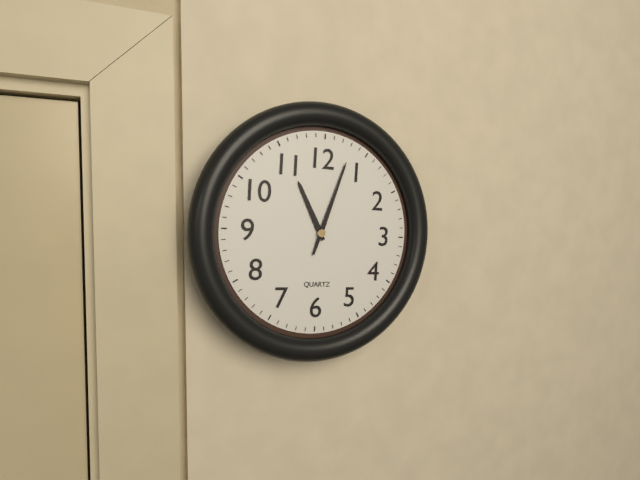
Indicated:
**11:03**
